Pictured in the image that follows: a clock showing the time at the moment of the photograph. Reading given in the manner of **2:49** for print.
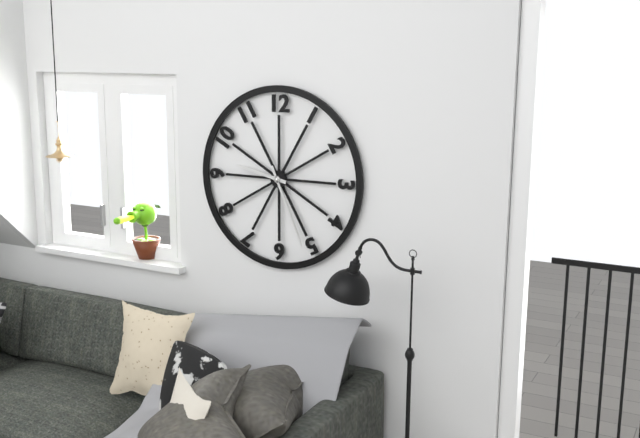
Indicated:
**9:26**
